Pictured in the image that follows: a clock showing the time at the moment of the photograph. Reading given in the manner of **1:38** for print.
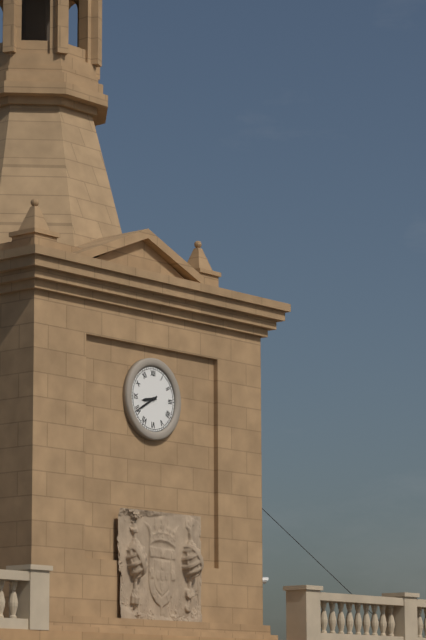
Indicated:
**8:40**
